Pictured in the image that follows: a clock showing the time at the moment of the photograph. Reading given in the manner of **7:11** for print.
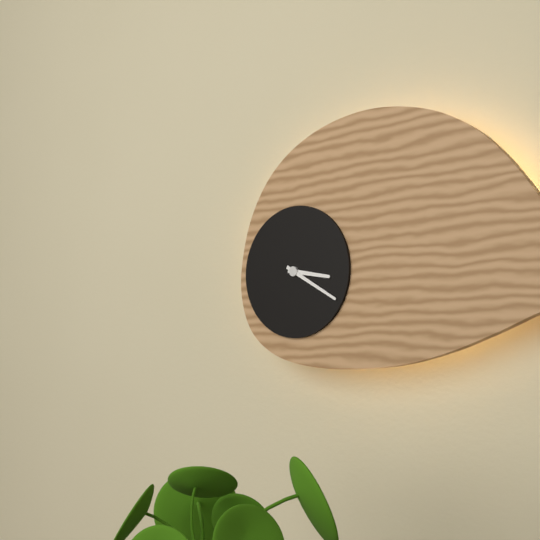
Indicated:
**3:20**
